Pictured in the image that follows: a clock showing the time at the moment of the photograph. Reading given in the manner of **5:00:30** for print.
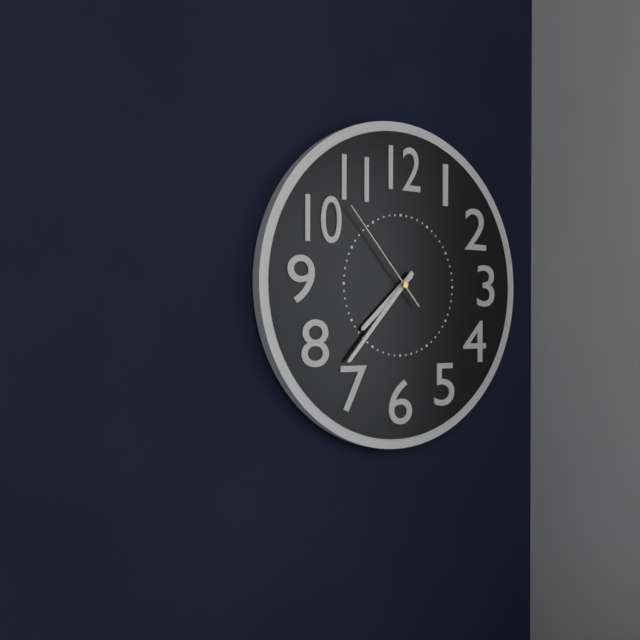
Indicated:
**7:37:53**
